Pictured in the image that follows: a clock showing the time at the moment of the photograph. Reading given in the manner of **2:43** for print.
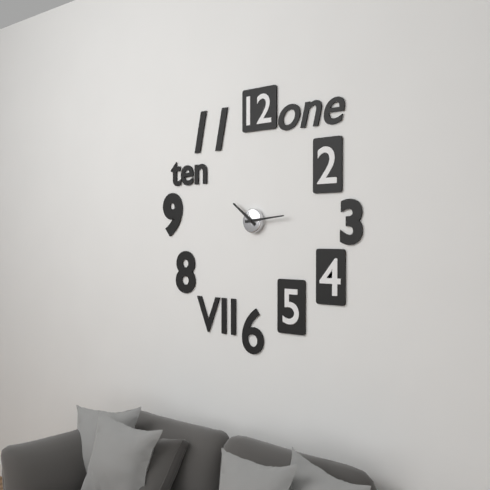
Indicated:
**10:14**
